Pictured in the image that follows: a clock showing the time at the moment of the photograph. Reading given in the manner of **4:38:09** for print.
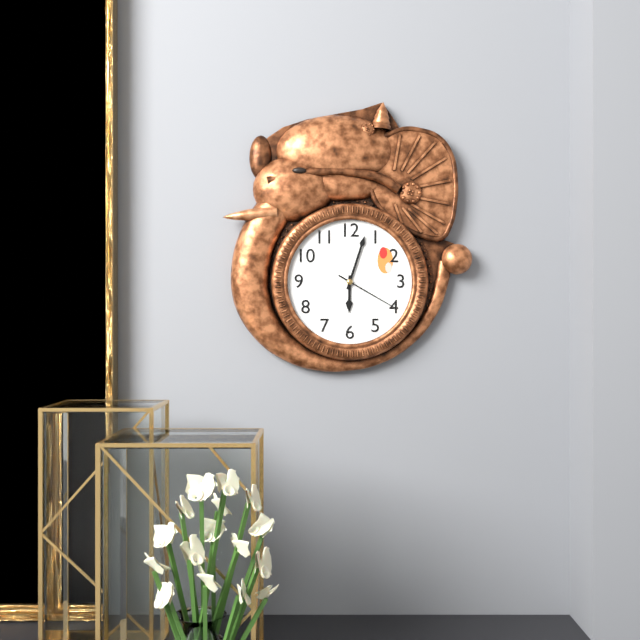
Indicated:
**6:03:20**
